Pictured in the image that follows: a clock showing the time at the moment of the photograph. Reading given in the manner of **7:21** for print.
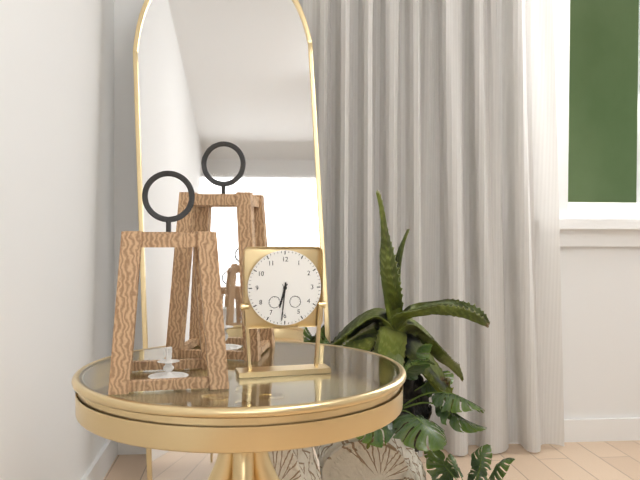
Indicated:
**6:31**
